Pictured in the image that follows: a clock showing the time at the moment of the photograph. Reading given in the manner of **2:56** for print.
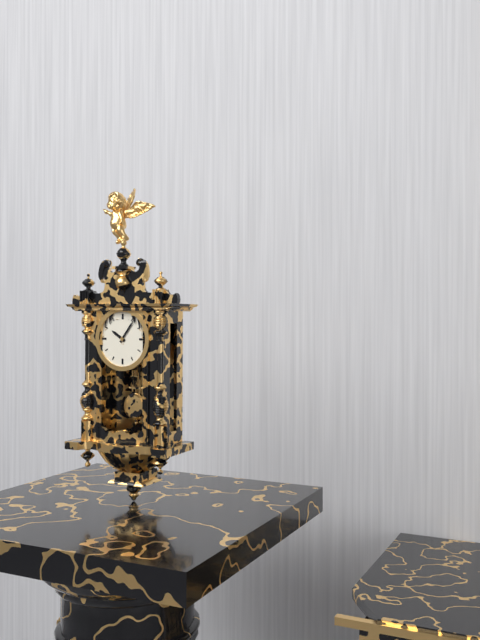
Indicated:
**10:06**
